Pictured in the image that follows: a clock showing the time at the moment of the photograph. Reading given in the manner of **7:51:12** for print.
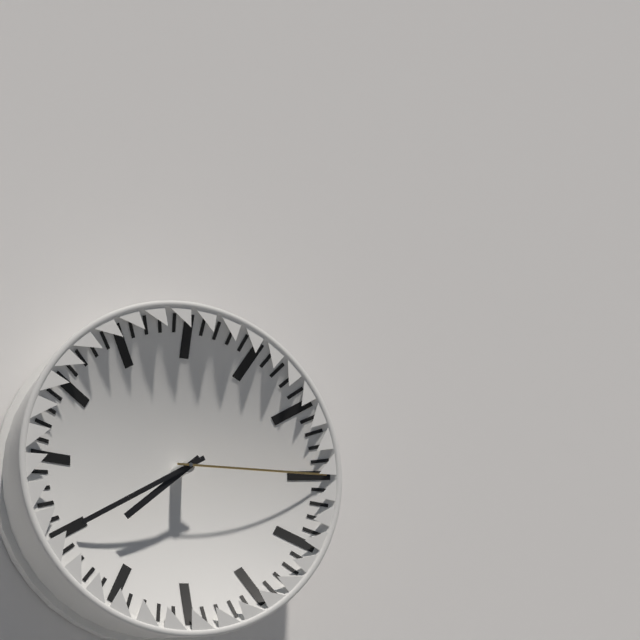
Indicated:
**7:40:15**
